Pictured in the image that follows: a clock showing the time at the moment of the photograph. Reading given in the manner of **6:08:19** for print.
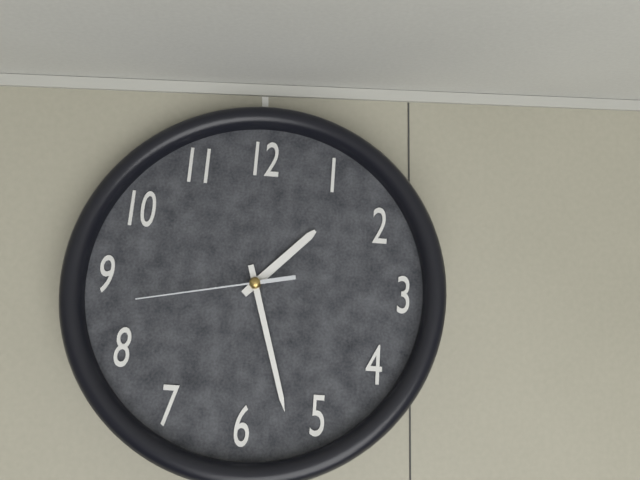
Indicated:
**1:27:43**
